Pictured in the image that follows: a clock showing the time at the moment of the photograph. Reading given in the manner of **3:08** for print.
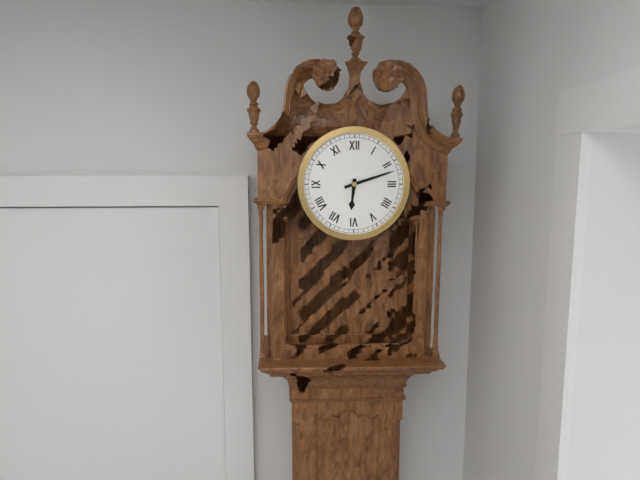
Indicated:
**6:12**
